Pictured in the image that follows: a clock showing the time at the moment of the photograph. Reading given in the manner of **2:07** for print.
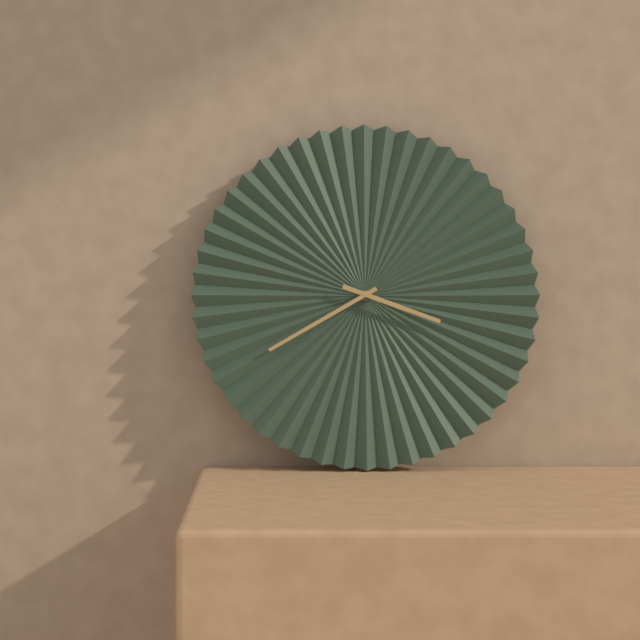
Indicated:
**3:40**
